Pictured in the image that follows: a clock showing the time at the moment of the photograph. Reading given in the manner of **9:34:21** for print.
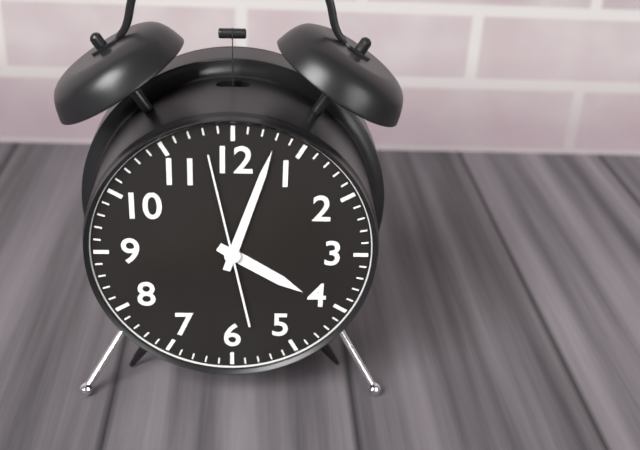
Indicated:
**4:03:58**
